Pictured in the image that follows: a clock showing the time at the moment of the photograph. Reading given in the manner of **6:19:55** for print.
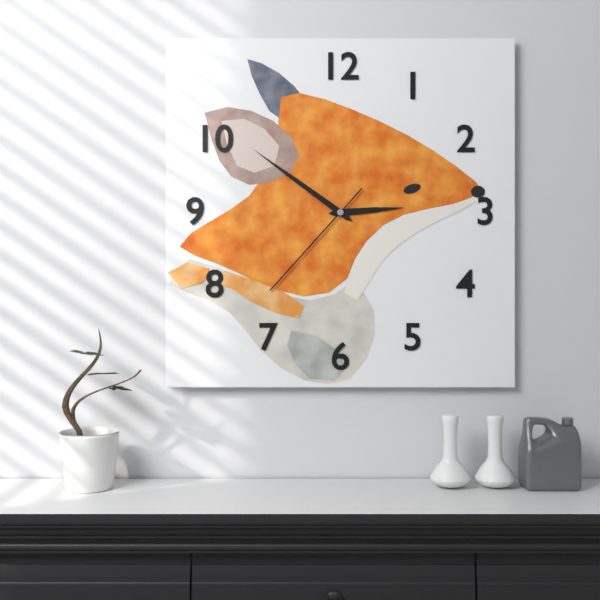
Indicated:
**2:51:37**
